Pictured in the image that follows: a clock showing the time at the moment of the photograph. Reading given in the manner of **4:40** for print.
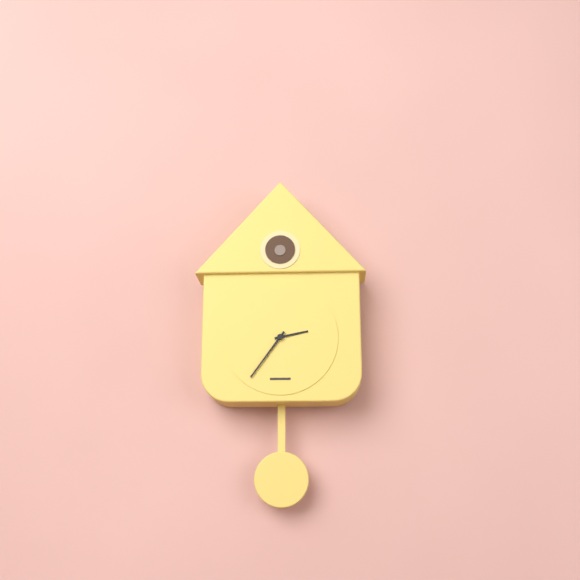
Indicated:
**2:36**
